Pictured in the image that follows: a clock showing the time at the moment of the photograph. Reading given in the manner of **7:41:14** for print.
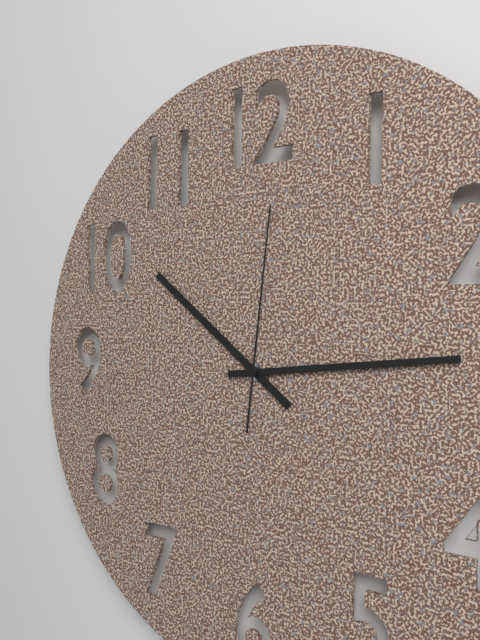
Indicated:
**10:14:01**
